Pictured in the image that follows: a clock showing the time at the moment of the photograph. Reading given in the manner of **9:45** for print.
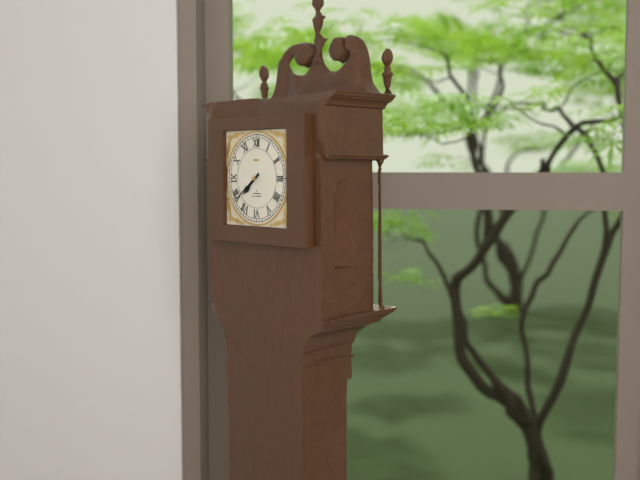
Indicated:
**7:39**
